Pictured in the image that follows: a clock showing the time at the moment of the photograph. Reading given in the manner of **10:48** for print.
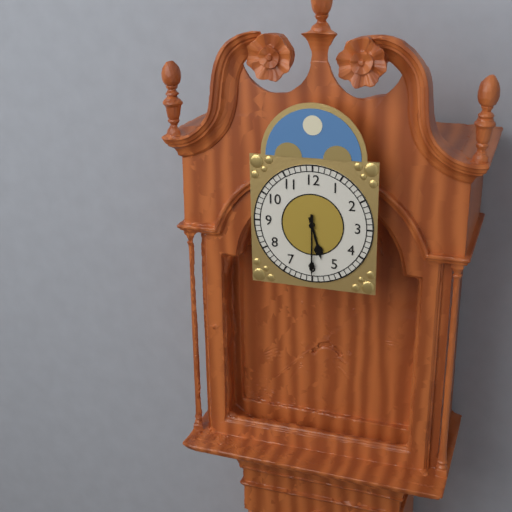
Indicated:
**5:30**
